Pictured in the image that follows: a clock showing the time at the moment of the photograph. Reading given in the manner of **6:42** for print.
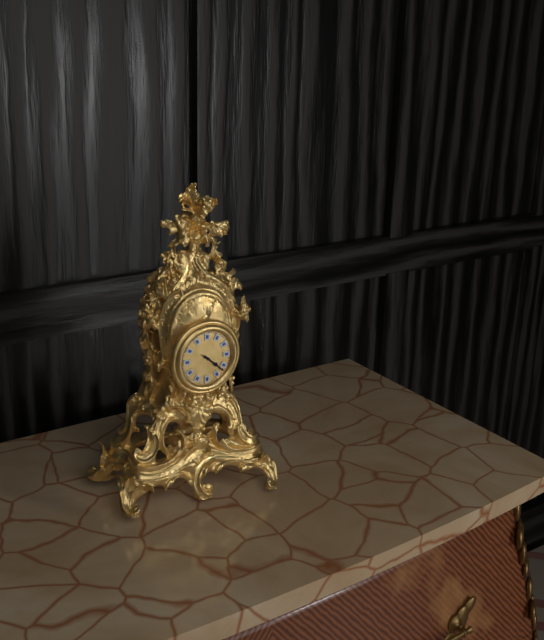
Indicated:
**4:22**
